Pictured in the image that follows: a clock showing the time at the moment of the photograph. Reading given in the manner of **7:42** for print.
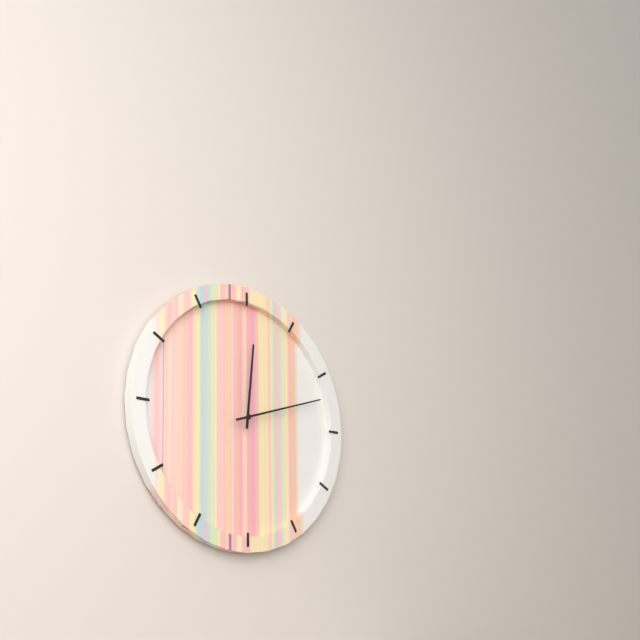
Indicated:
**12:12**
